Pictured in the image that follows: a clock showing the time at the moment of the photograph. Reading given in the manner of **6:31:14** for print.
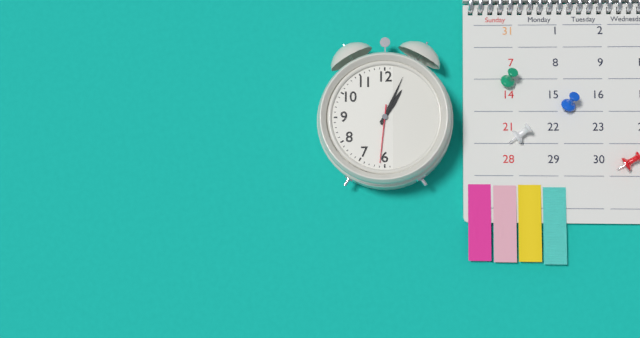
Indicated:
**1:04:31**
